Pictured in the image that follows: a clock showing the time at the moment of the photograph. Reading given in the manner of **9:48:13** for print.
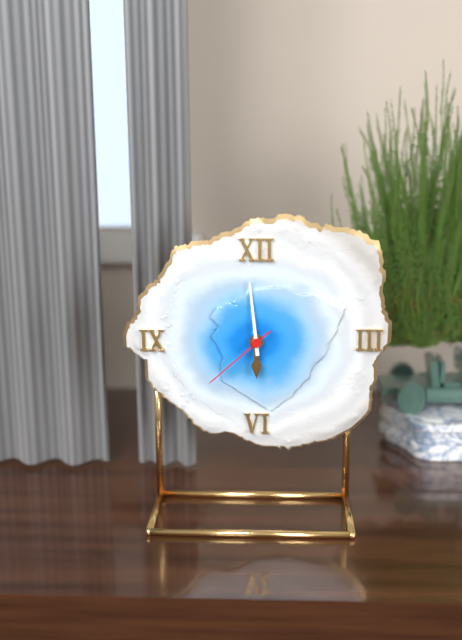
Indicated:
**5:59:38**
